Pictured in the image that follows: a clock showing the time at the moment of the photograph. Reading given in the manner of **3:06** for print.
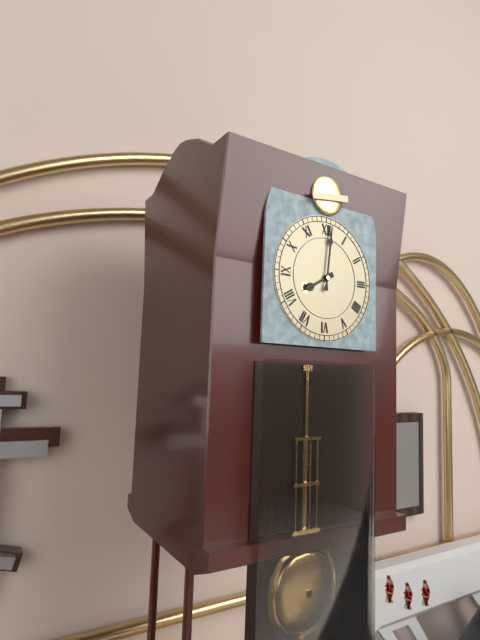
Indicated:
**8:01**
